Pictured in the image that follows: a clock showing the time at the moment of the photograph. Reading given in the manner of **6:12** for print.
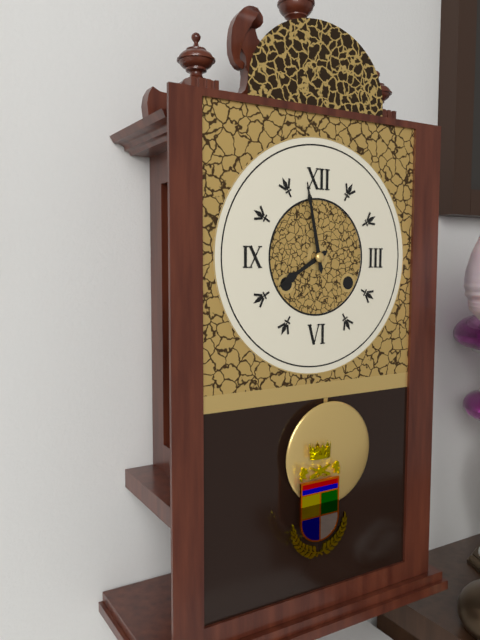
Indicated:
**7:58**
